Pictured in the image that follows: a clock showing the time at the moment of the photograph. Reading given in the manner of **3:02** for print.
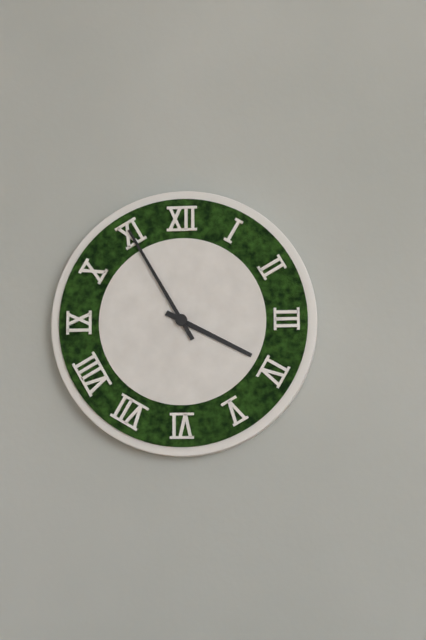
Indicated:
**3:55**
